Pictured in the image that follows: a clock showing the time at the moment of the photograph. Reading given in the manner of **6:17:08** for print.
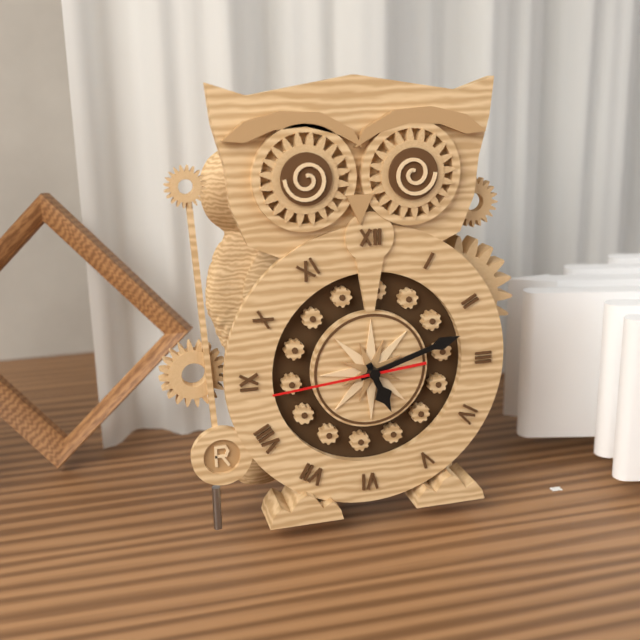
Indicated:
**5:12:44**
